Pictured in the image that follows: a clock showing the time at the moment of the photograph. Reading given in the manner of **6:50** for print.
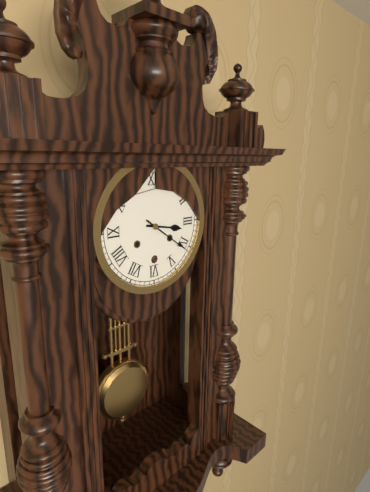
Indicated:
**3:21**
